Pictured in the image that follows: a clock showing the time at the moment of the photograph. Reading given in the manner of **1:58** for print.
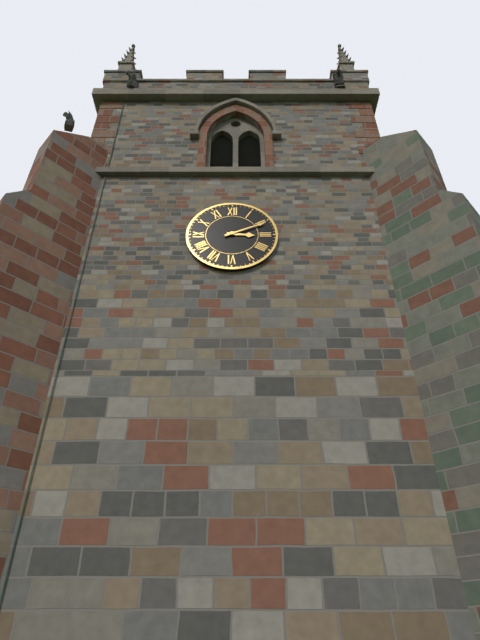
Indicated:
**3:11**
